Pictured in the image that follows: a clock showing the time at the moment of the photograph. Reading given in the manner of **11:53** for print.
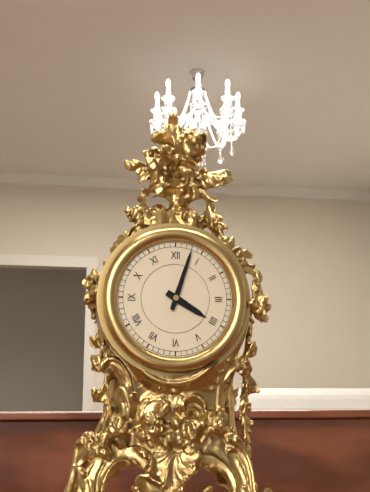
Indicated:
**4:03**
